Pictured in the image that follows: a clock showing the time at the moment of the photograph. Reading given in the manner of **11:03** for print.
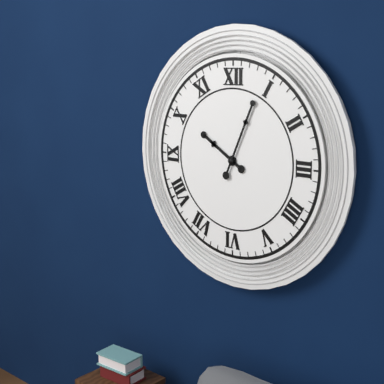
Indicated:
**10:04**
